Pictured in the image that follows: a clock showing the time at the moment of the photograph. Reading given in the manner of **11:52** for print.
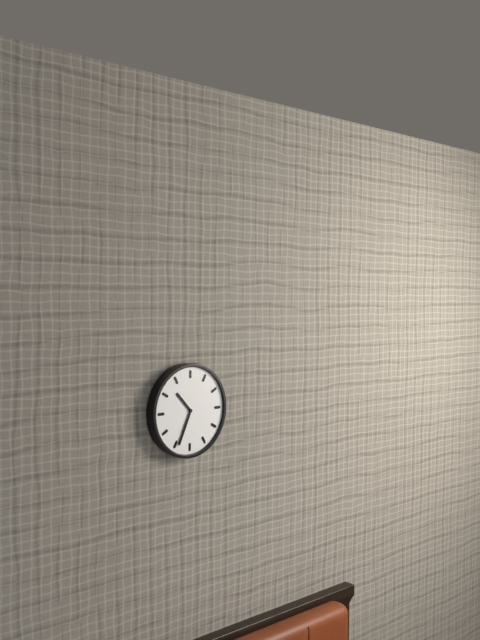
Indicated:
**10:34**
